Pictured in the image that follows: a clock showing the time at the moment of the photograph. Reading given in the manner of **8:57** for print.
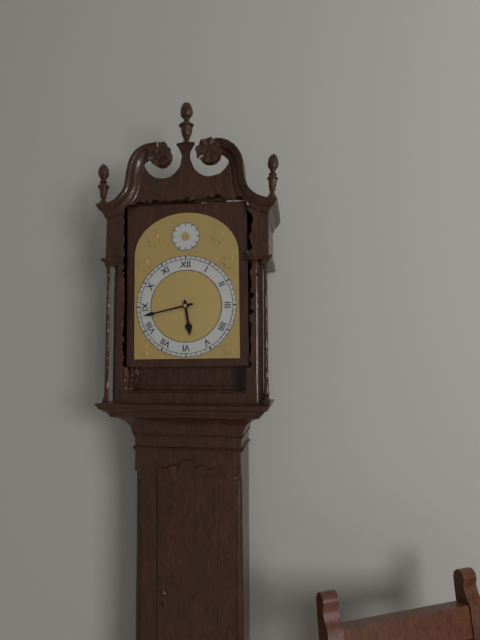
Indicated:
**5:43**
